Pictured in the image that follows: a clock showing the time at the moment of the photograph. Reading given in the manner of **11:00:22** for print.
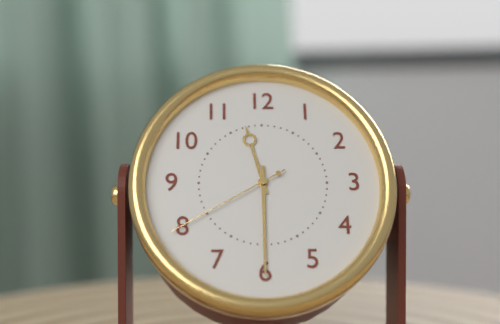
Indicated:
**11:30:40**
